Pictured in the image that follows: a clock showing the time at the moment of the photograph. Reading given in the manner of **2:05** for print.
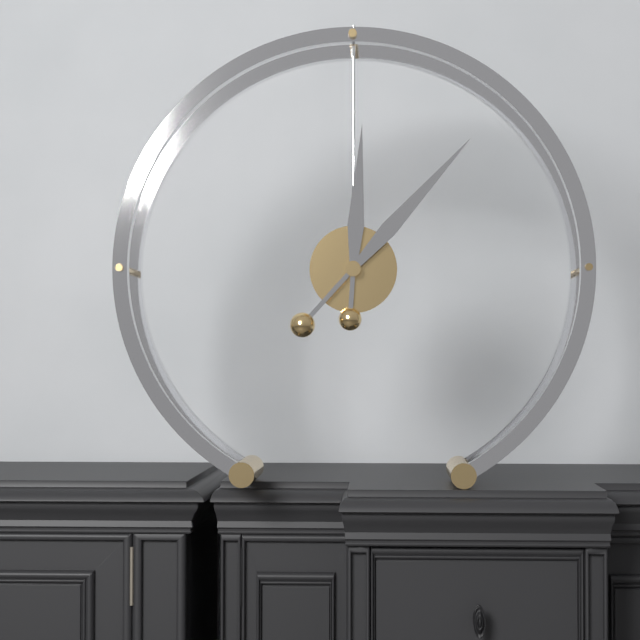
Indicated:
**12:07**
